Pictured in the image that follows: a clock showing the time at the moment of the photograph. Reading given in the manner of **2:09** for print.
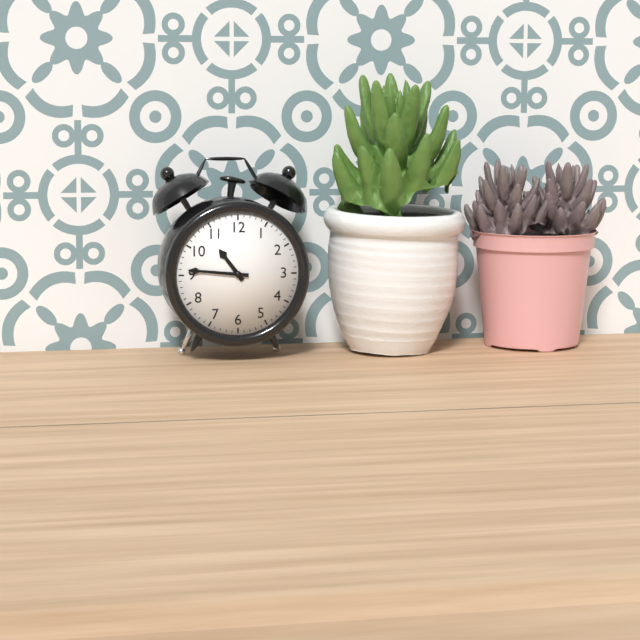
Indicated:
**10:46**
